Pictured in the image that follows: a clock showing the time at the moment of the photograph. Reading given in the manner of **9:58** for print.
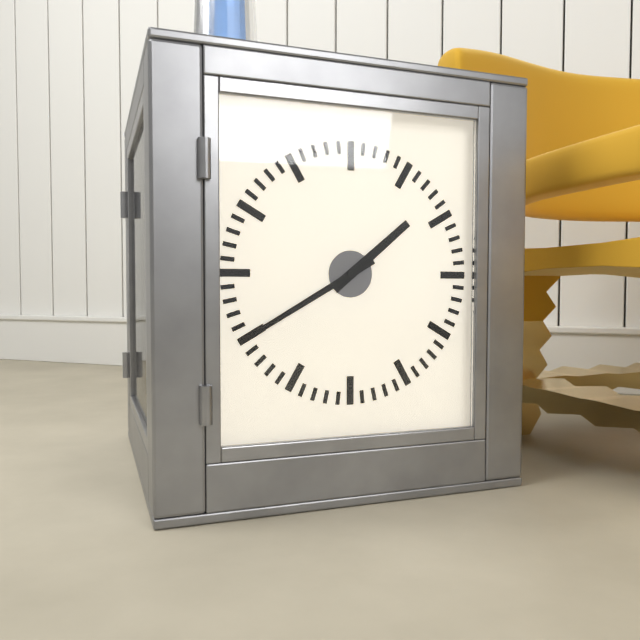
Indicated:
**1:40**
